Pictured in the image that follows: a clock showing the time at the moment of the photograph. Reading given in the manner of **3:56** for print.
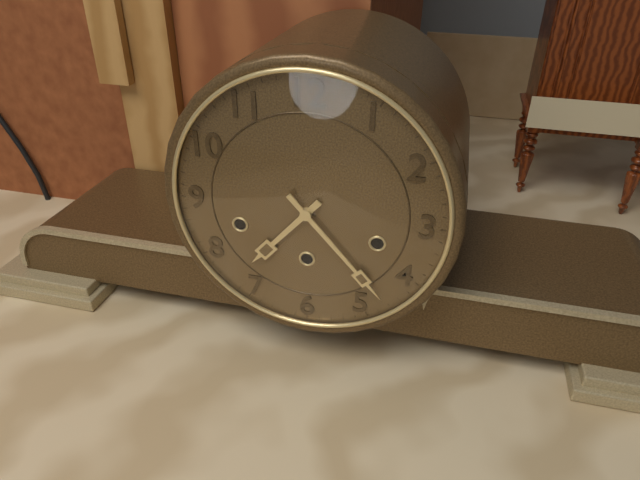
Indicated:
**7:23**
